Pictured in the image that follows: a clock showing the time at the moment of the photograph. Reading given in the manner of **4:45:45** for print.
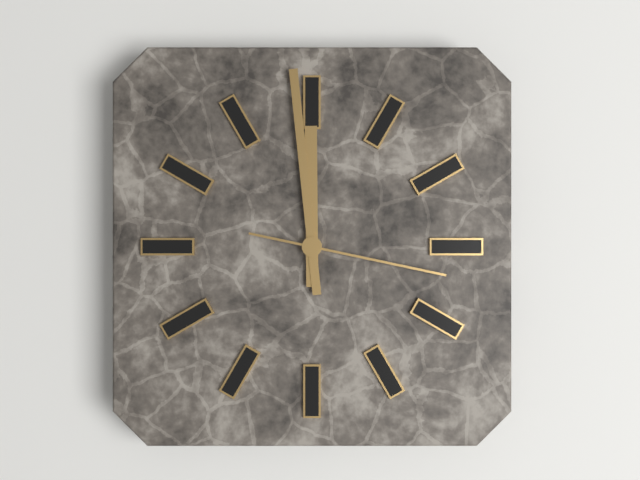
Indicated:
**11:59:17**
